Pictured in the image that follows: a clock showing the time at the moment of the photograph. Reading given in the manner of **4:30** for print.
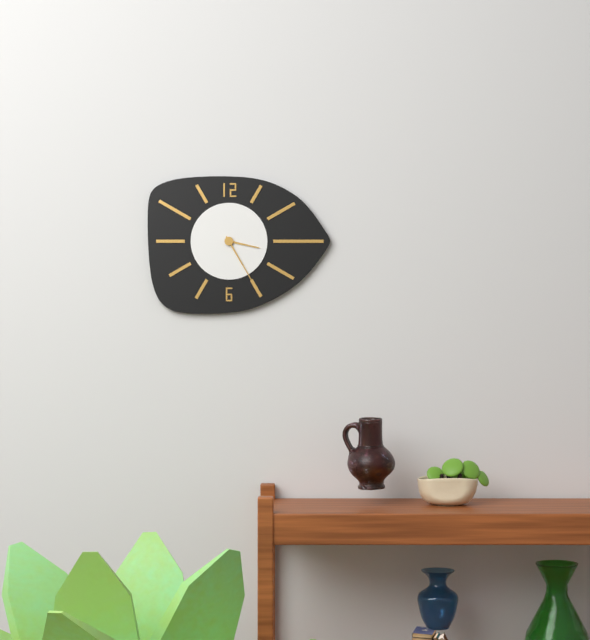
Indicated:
**3:25**
